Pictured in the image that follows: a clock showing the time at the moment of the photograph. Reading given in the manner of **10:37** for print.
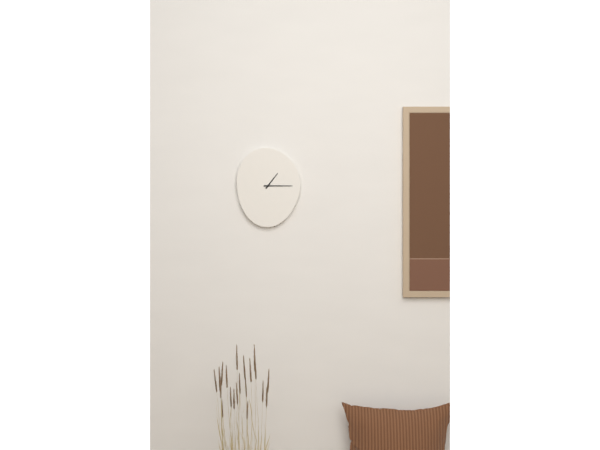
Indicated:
**1:15**
